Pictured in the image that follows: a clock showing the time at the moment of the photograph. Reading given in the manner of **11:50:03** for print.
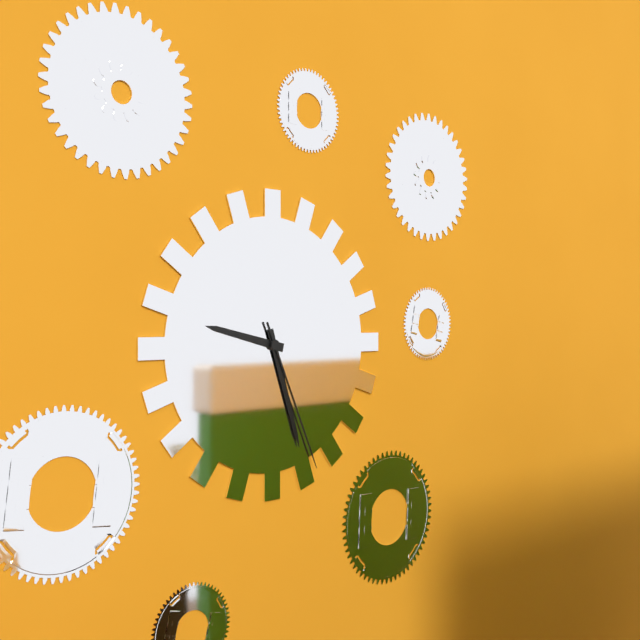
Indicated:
**9:27:26**
